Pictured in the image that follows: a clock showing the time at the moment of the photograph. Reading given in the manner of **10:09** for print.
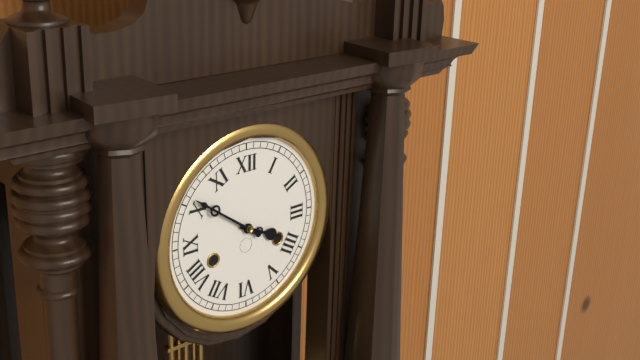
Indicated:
**3:51**
